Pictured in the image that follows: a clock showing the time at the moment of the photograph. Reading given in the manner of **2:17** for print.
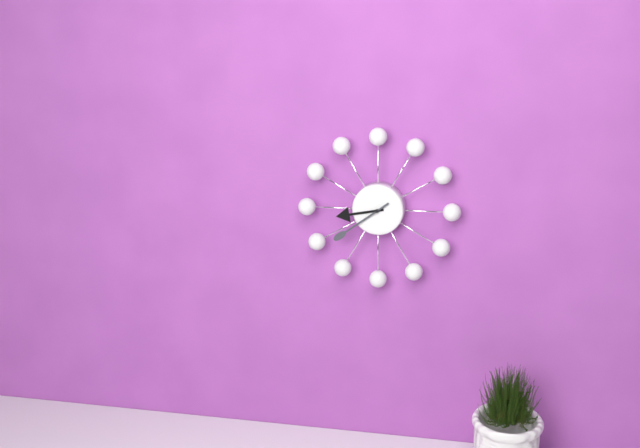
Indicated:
**8:39**
